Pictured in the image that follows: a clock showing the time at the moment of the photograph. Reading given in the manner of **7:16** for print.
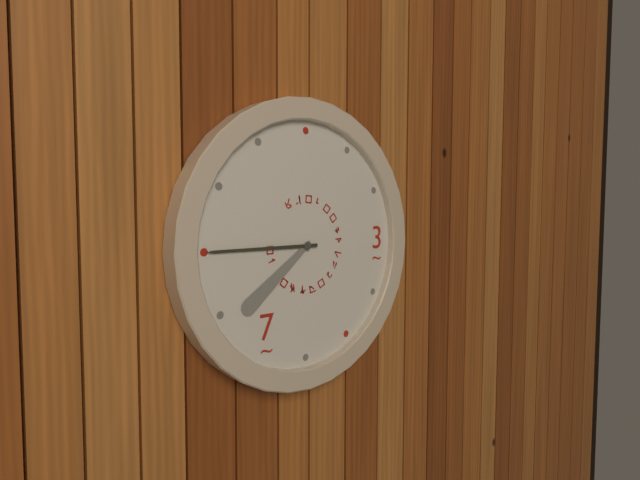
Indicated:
**7:45**
